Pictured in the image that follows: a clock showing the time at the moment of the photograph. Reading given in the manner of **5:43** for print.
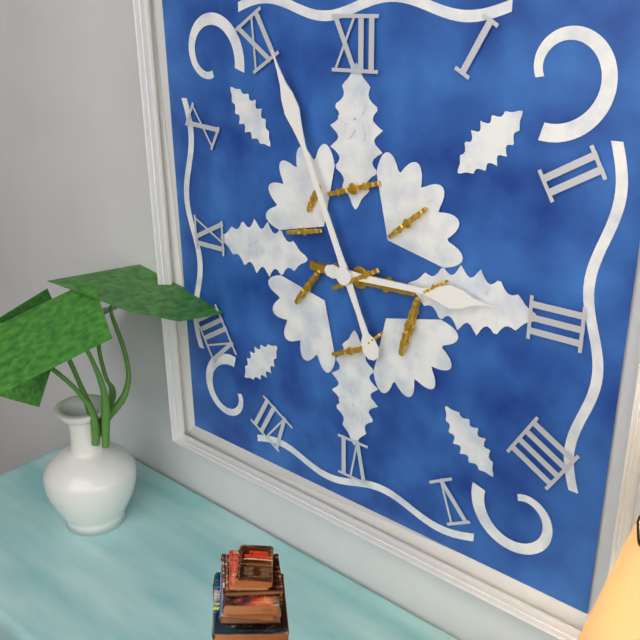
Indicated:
**2:56**
